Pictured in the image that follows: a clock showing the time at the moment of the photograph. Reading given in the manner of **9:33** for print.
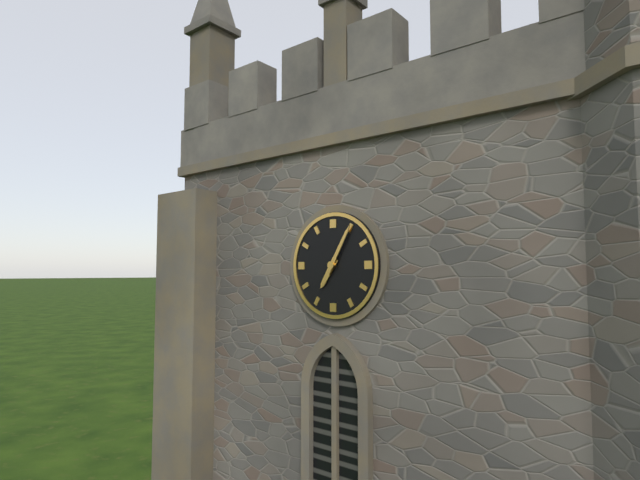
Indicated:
**7:05**
